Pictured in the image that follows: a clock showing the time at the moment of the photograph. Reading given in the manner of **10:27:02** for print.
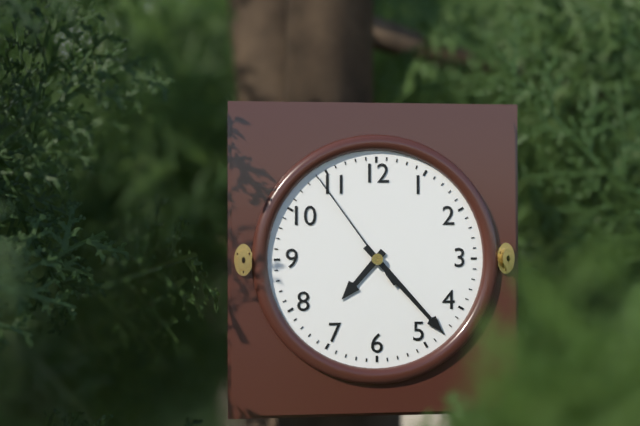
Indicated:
**7:23:54**
